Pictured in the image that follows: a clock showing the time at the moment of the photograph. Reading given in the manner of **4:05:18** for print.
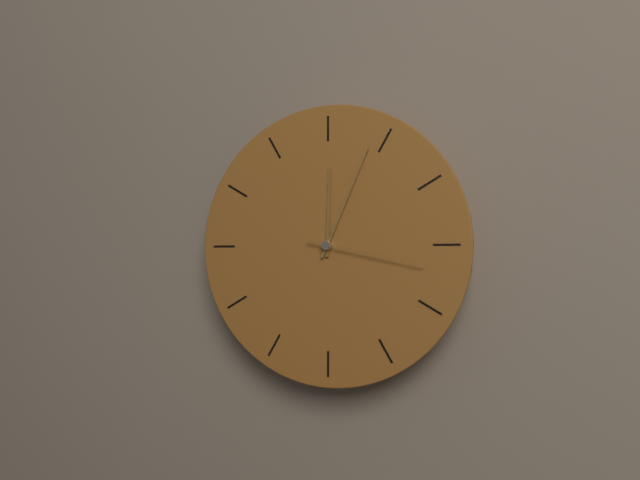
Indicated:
**12:04:17**
